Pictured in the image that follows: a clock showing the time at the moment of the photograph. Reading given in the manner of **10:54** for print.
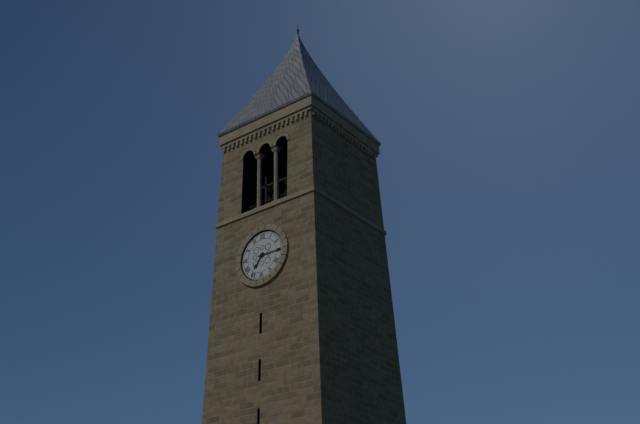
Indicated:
**7:15**
